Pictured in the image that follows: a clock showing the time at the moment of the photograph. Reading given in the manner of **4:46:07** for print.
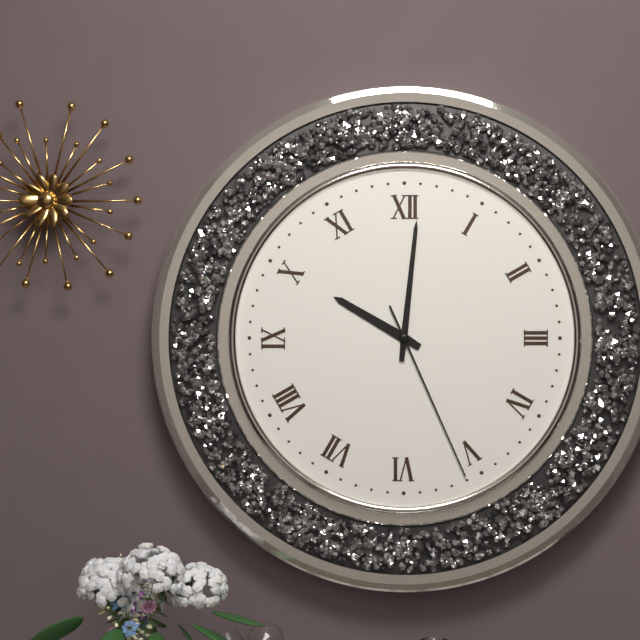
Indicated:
**10:01:26**
